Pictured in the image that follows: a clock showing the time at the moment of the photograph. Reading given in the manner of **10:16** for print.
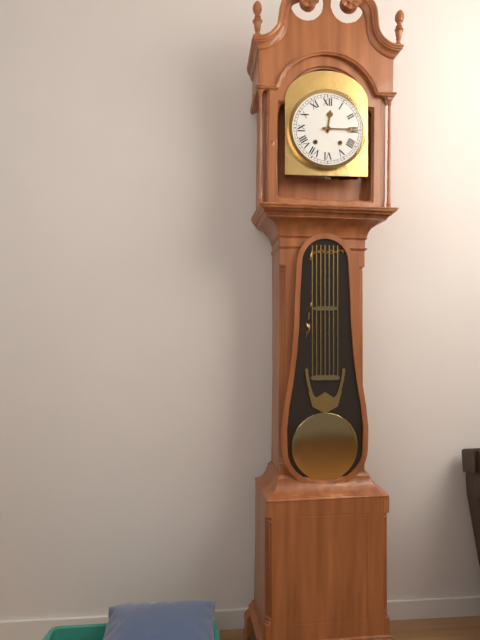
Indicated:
**12:15**
